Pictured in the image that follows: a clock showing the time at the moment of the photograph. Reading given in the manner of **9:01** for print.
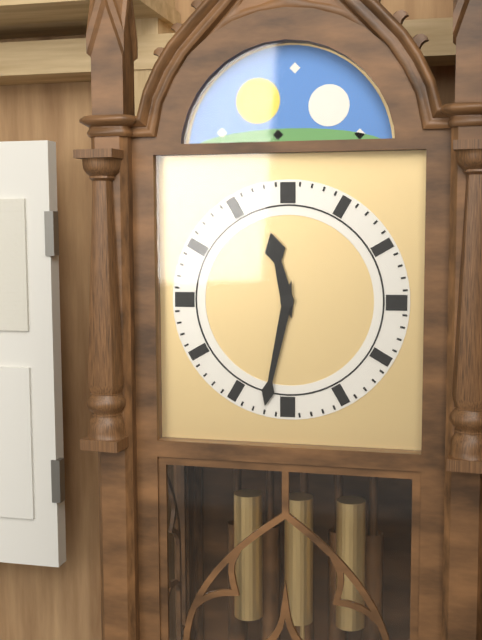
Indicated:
**11:32**
